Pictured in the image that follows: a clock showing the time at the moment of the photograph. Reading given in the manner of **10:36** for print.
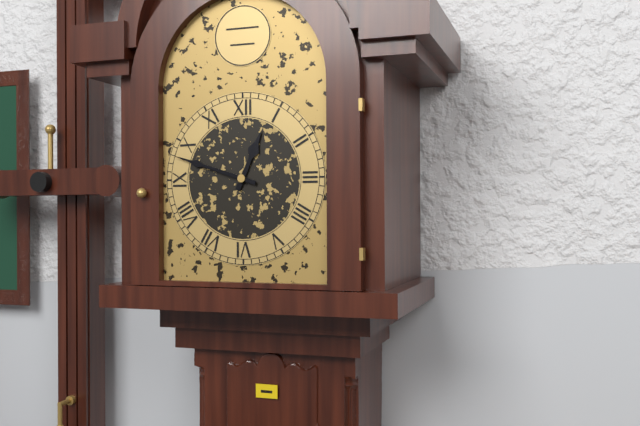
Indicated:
**12:48**
